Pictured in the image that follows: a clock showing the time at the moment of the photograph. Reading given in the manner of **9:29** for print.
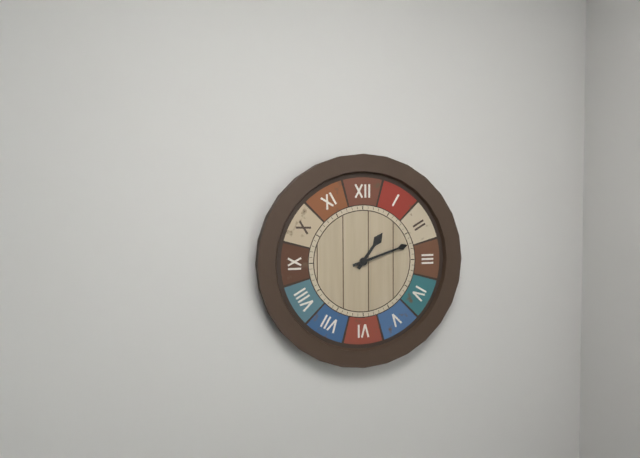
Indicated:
**1:12**
